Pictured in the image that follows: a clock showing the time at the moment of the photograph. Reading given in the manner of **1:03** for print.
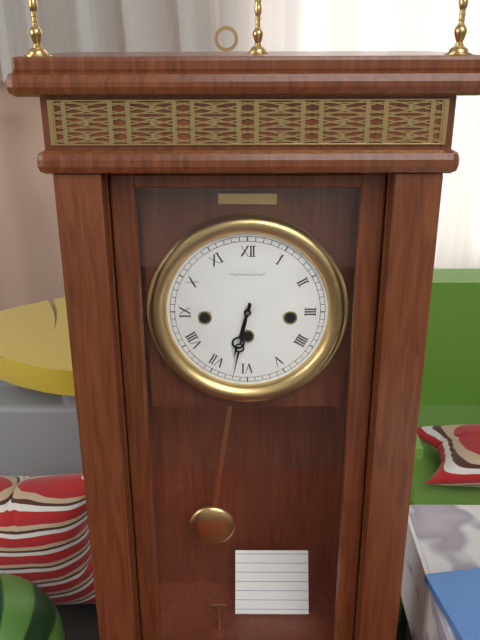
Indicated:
**6:32**
